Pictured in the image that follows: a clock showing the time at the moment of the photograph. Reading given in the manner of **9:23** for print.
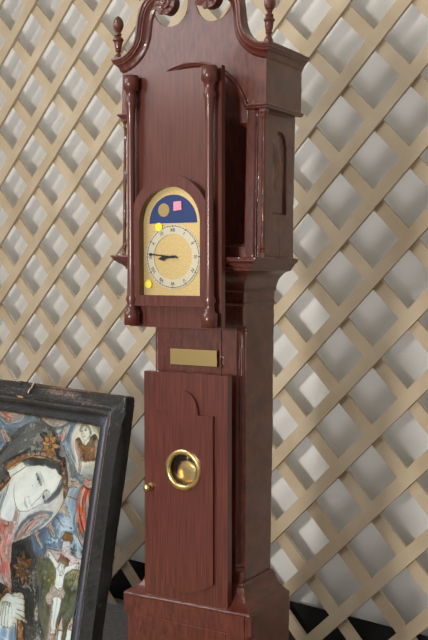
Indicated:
**8:46**
